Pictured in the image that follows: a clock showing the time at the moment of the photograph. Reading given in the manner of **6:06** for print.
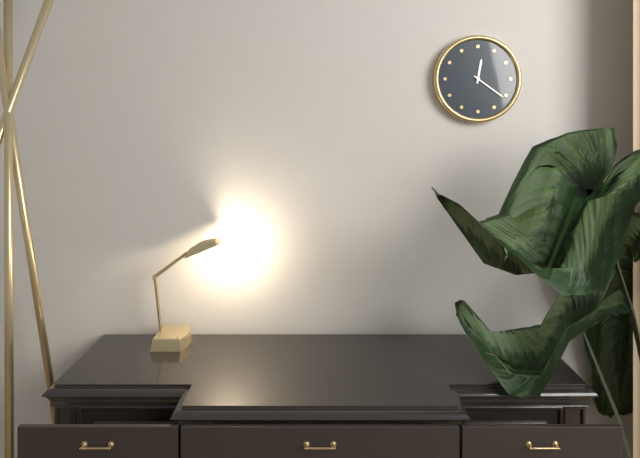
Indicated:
**12:21**
